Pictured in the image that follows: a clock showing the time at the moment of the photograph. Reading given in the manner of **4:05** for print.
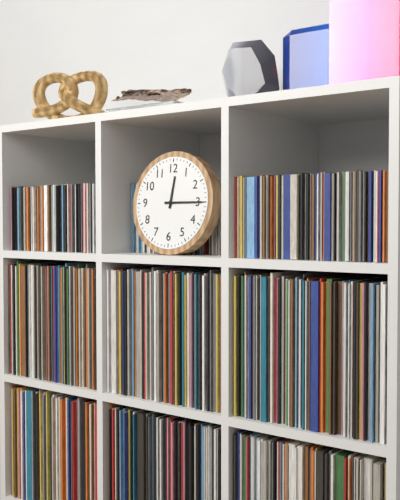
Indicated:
**12:15**
